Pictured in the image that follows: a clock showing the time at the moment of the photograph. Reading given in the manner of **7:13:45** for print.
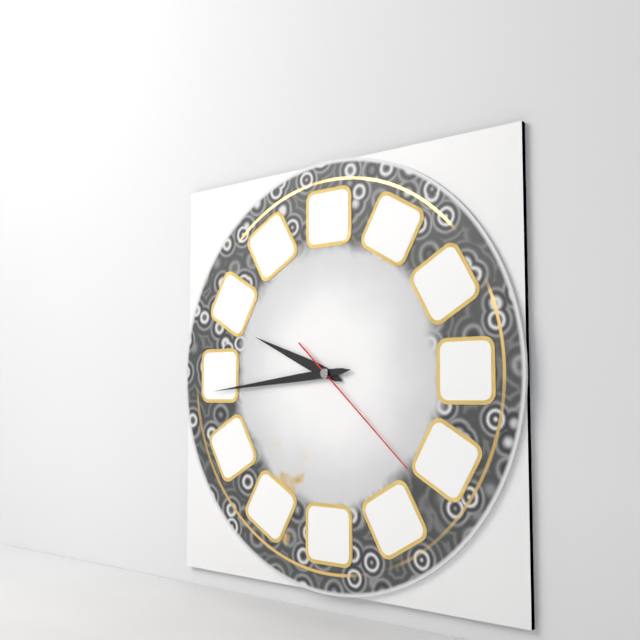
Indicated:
**9:44:22**
